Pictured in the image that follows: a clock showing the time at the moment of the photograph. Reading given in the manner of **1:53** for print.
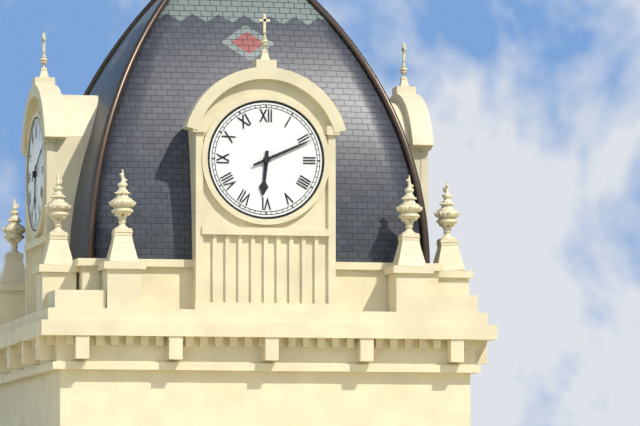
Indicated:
**6:11**
